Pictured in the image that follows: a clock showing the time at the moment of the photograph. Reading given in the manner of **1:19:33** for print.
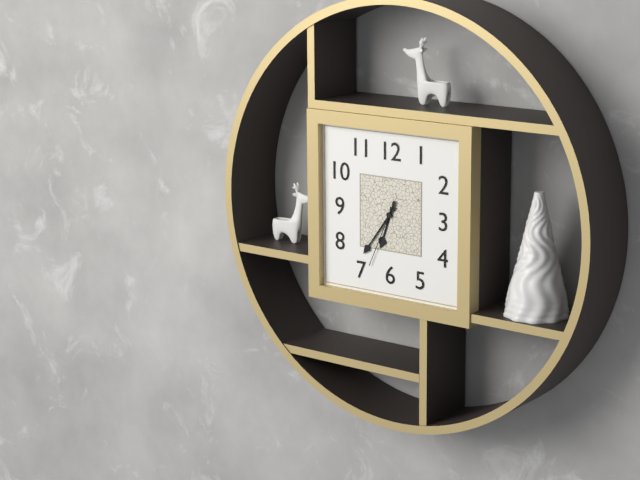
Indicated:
**6:36:34**
